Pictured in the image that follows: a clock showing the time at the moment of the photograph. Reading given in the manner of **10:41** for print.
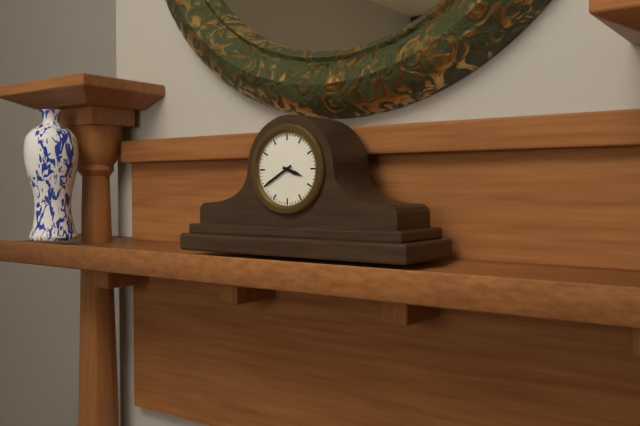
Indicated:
**3:40**
